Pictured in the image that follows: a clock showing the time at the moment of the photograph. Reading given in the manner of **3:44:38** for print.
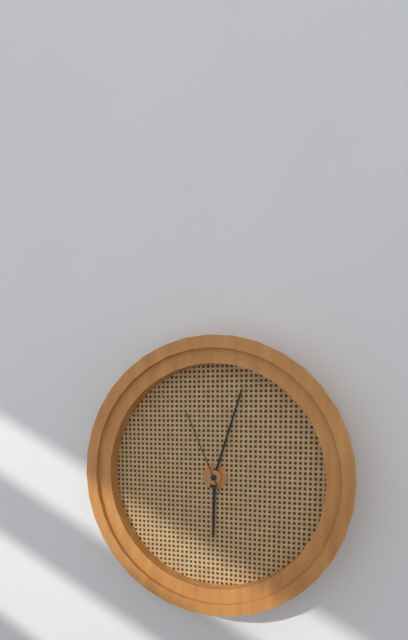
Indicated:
**6:03:56**
